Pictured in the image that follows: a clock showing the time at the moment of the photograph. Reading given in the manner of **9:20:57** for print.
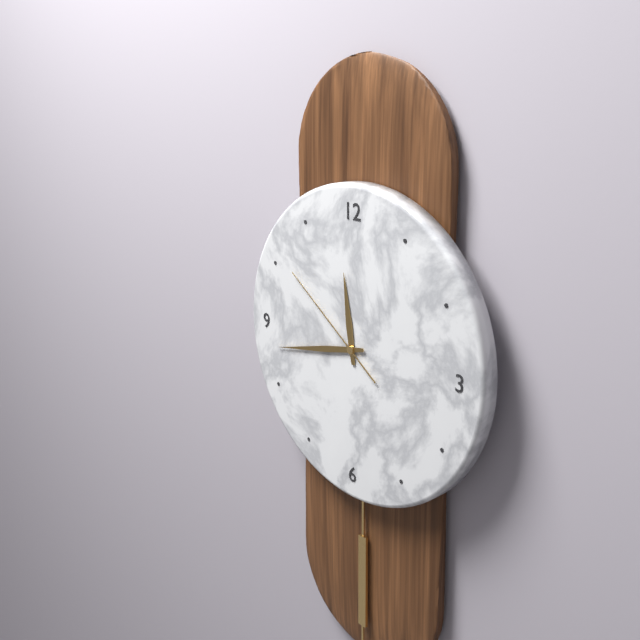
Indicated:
**11:43:51**
